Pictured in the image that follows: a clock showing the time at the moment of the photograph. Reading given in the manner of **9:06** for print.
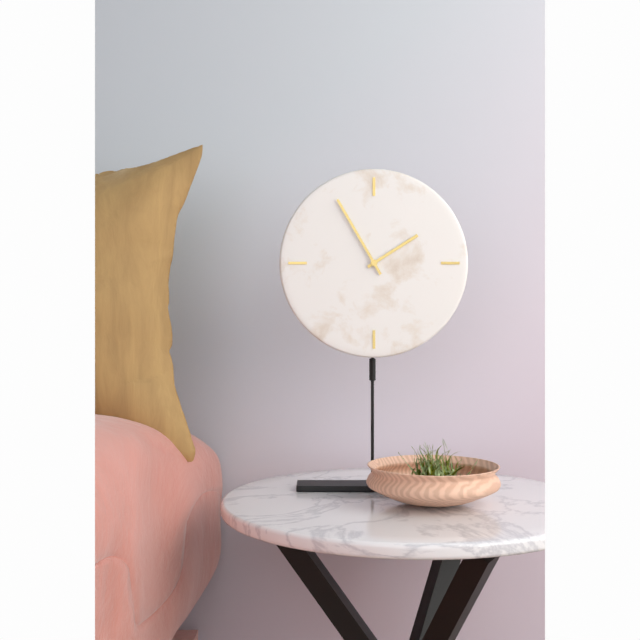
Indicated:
**1:55**
